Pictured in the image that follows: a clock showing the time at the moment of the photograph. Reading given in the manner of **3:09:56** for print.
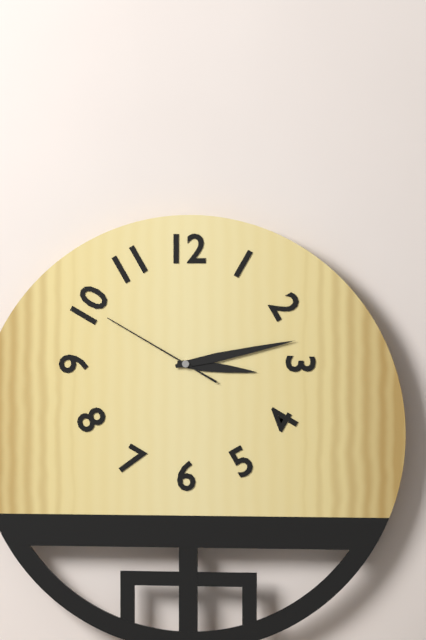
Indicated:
**3:13:50**
